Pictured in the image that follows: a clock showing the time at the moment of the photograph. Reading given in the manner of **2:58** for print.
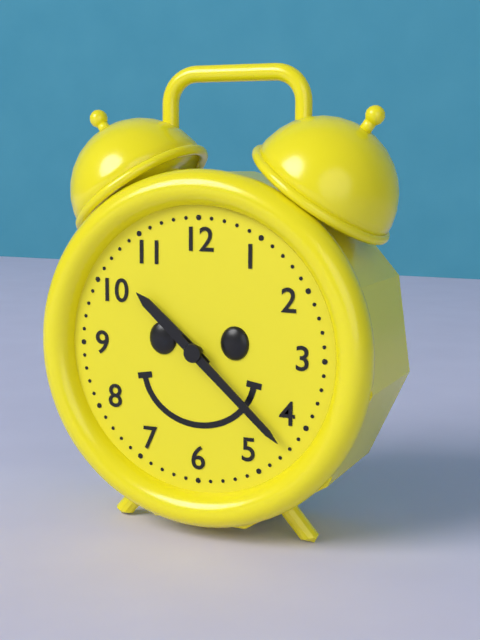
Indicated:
**10:22**
